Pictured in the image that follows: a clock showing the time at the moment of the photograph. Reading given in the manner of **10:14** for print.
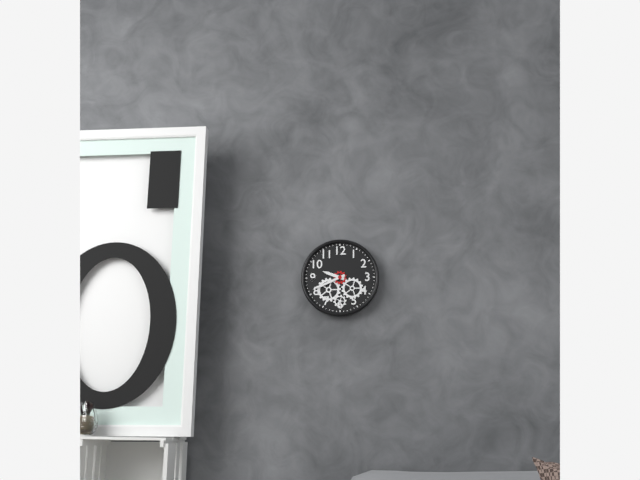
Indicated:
**9:41**
